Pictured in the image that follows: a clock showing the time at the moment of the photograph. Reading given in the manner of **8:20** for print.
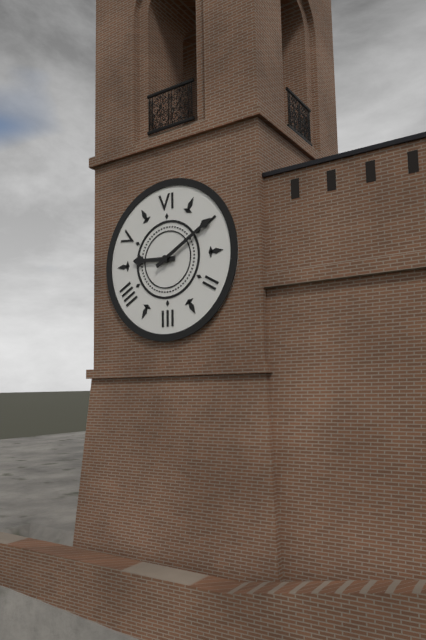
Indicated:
**9:10**
